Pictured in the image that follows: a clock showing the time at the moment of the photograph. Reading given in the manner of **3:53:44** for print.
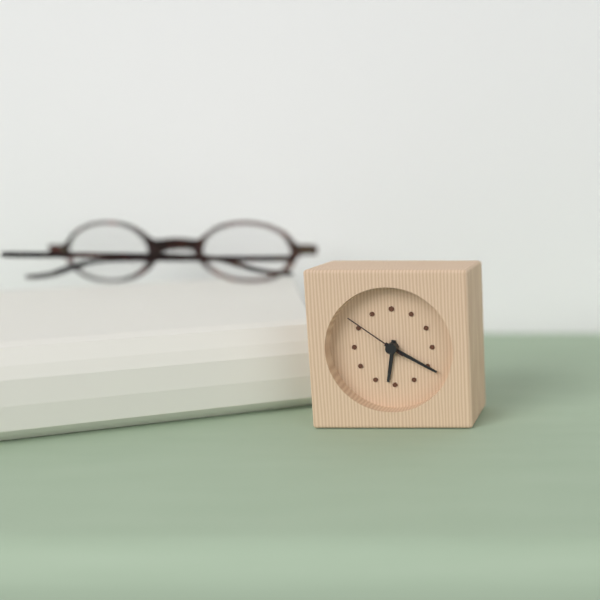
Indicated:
**6:20:51**
